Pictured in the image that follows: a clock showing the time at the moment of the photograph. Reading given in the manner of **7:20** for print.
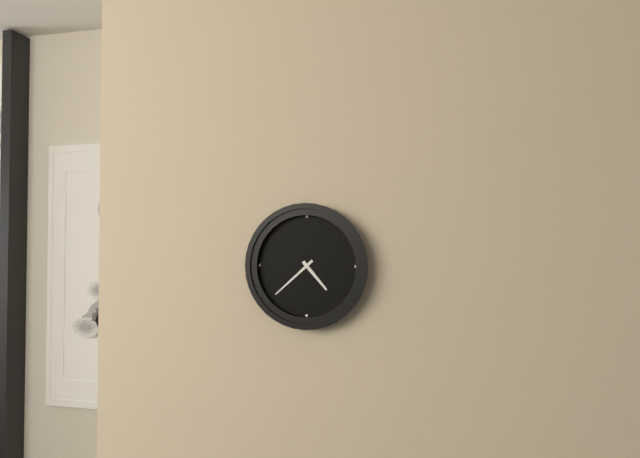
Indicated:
**4:38**
